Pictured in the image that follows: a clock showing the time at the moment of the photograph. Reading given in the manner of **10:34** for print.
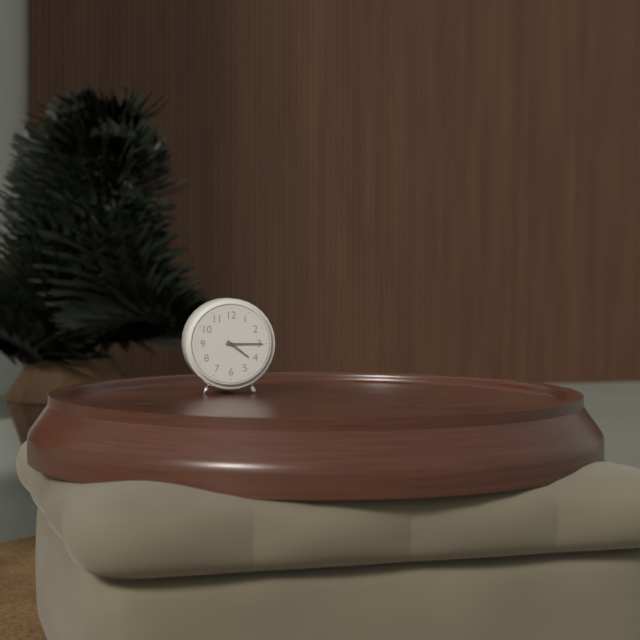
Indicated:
**4:15**
